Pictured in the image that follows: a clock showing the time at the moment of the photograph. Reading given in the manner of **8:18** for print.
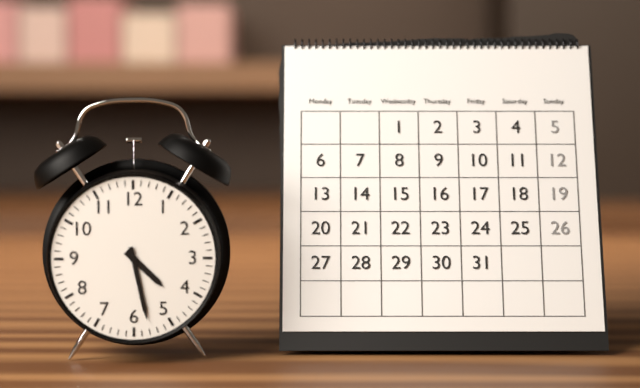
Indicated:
**4:28**
